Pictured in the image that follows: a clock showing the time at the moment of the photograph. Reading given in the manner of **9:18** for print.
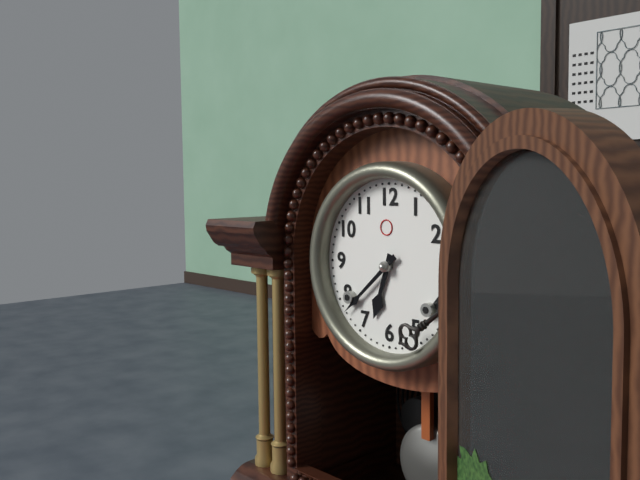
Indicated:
**6:38**
